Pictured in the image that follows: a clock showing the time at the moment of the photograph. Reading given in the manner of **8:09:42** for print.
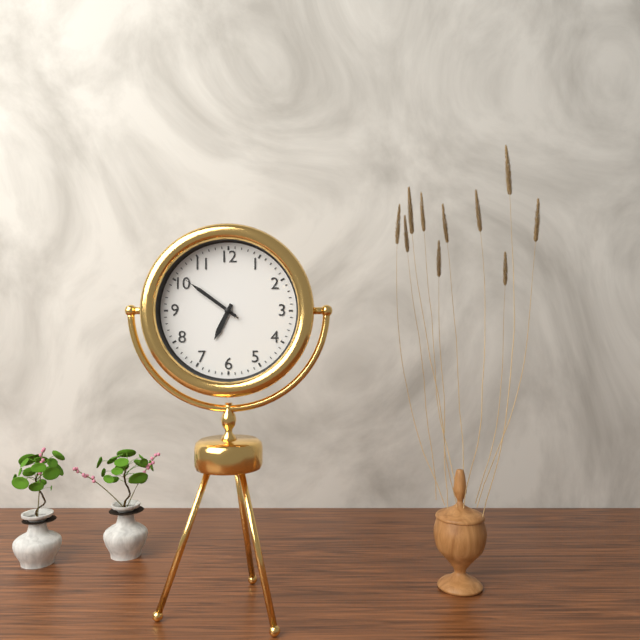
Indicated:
**6:51:51**
